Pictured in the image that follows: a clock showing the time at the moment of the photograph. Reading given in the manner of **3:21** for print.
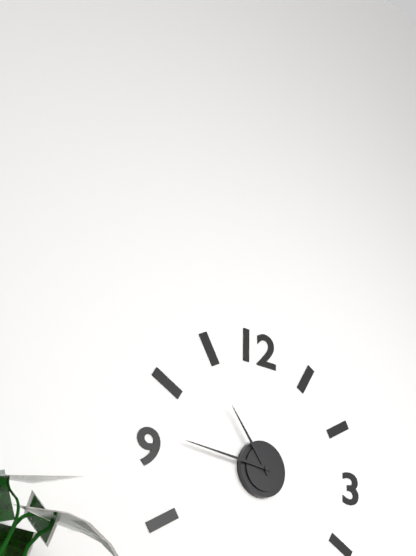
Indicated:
**10:46**
